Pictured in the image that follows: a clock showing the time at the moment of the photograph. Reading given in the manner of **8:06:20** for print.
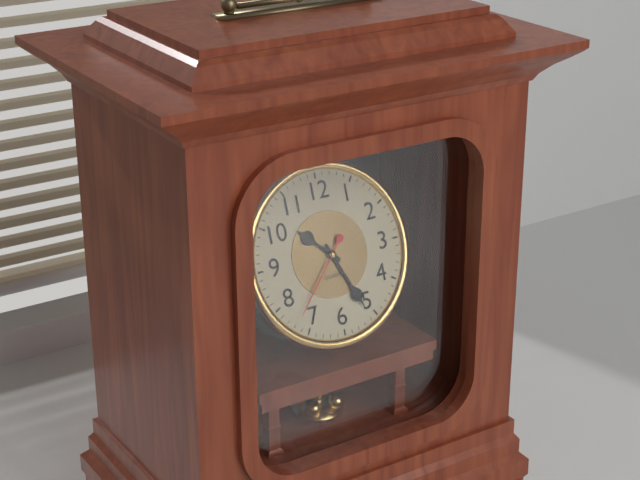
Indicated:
**10:26:37**
